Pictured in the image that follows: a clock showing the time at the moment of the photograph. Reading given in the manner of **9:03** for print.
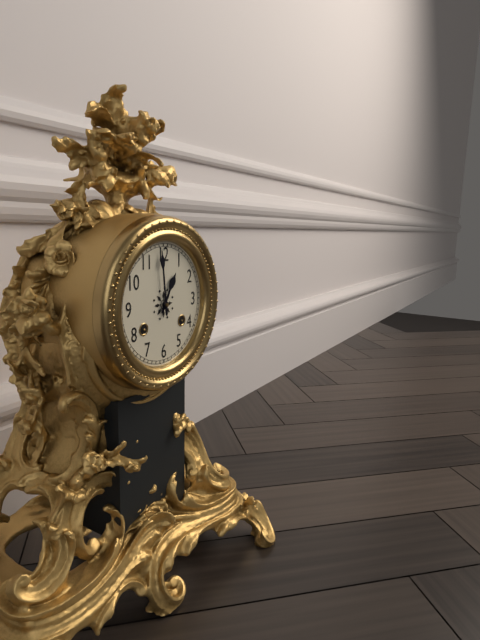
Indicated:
**12:59**
